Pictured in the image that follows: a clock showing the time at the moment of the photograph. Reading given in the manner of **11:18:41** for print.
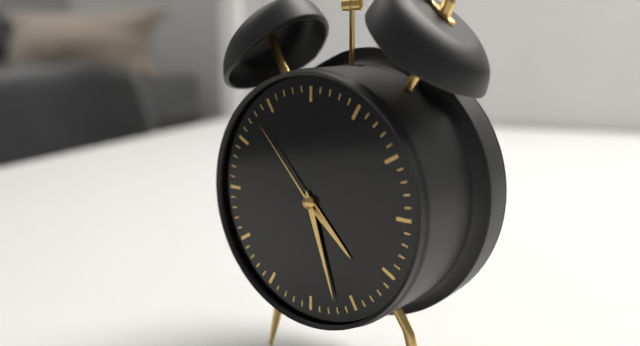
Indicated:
**4:27:53**
